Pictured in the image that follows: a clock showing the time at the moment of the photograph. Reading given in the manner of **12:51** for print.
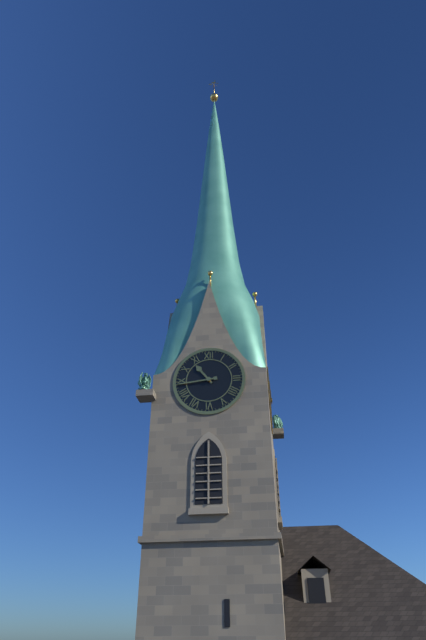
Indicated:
**10:44**
